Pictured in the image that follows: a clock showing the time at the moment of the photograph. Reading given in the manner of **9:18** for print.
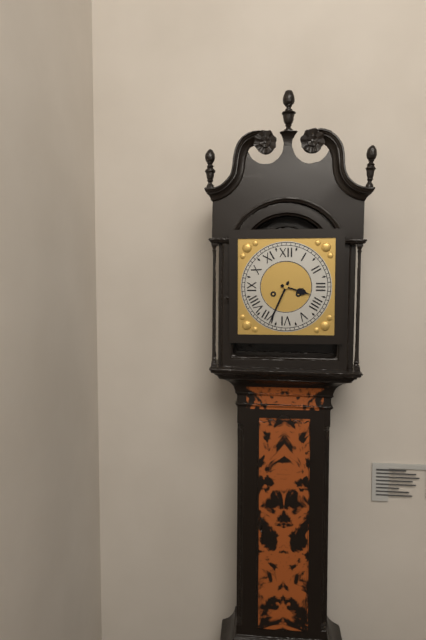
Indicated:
**3:34**
